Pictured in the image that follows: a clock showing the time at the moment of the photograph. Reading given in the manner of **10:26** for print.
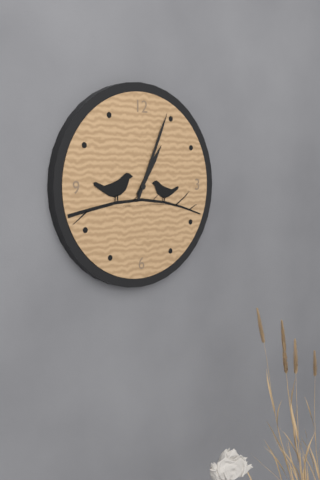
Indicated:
**1:04**
